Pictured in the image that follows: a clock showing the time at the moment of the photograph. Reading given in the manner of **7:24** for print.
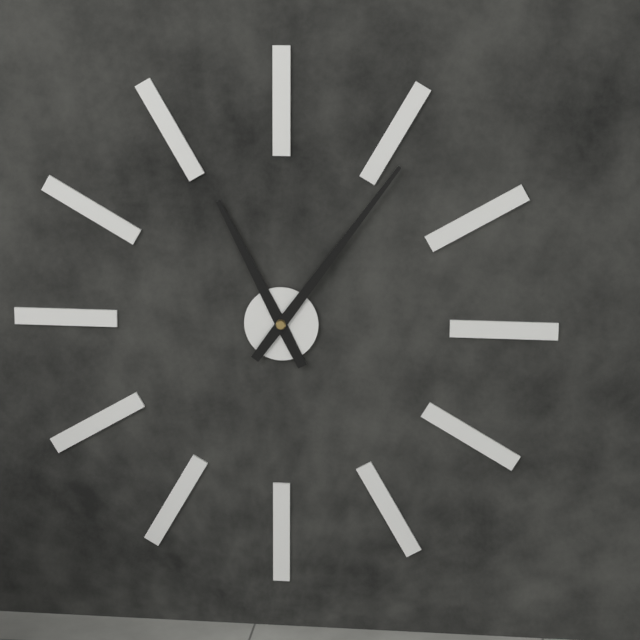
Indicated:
**11:06**
